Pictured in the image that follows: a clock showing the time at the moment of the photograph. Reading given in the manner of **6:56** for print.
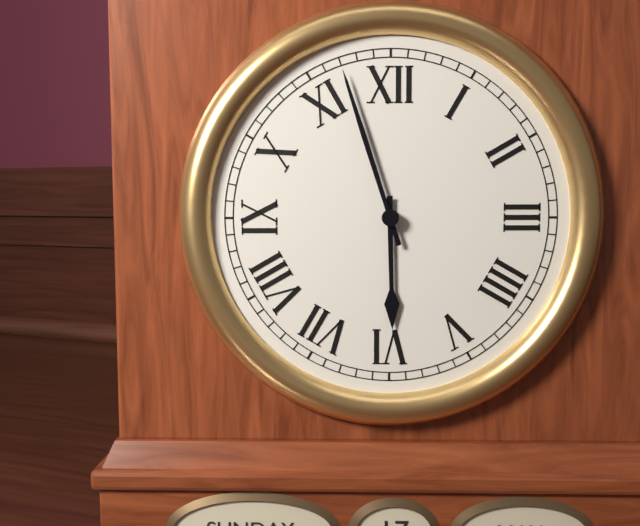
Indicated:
**5:57**
